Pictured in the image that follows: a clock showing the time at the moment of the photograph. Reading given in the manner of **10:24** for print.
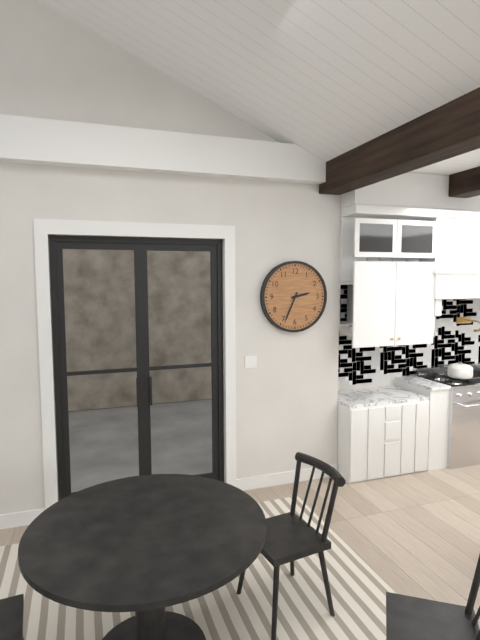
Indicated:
**2:34**
